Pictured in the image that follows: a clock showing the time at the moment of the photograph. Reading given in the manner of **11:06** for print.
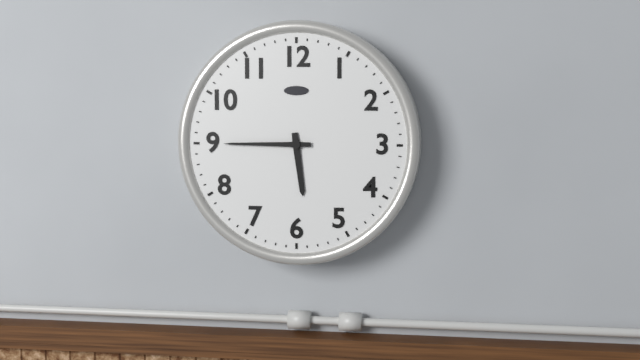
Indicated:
**5:45**
